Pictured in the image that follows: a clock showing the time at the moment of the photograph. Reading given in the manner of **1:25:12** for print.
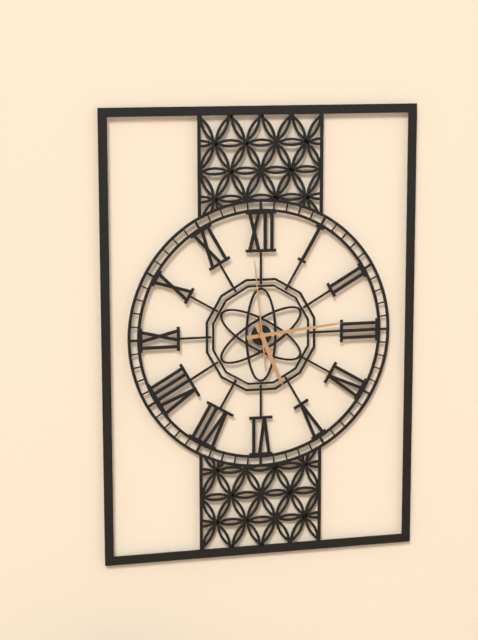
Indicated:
**5:14:59**
